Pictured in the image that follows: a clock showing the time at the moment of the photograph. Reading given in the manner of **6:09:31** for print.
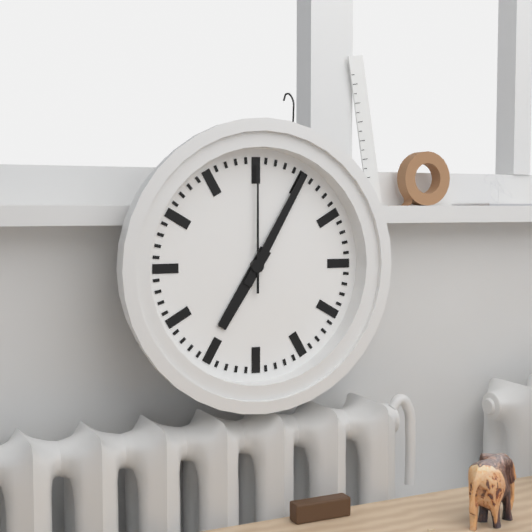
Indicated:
**7:05:00**
